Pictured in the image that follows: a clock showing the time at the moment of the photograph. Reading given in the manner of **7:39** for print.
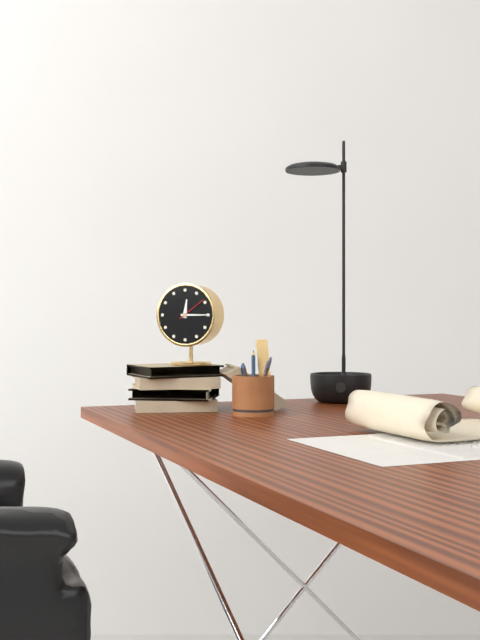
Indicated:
**12:15**
